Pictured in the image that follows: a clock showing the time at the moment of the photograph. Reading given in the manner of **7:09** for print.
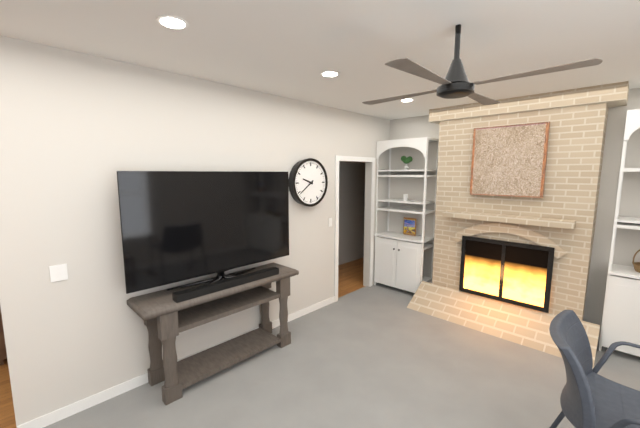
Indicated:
**9:39**
